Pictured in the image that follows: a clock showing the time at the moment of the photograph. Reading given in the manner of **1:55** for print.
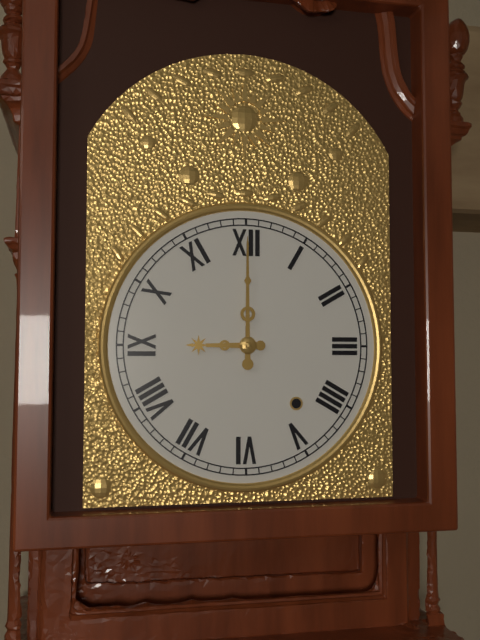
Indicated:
**9:00**
